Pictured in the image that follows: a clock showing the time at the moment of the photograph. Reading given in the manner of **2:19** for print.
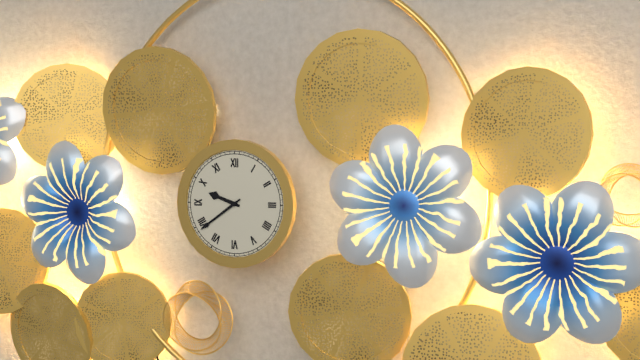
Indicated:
**9:39**
